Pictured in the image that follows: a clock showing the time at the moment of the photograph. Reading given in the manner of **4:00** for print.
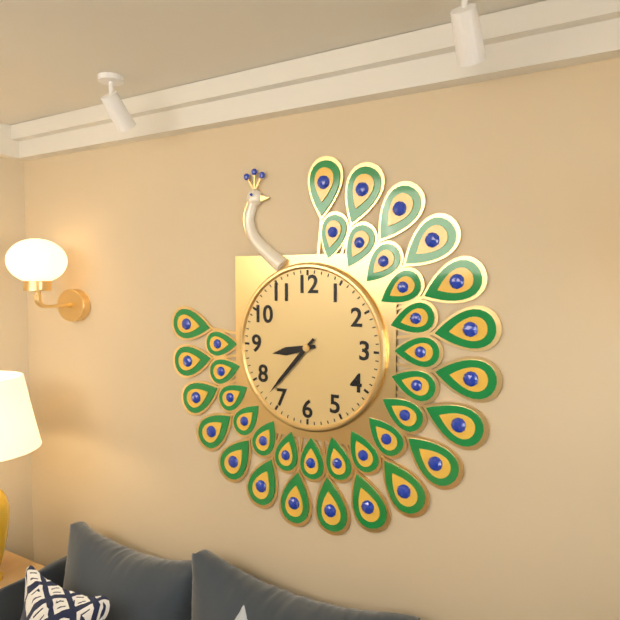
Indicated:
**8:37**
